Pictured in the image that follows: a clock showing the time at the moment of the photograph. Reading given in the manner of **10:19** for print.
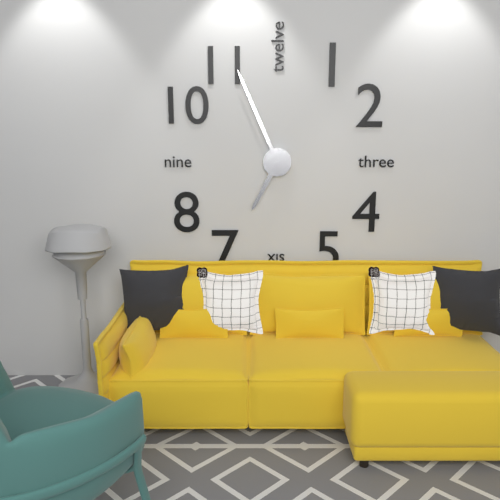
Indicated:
**6:56**
